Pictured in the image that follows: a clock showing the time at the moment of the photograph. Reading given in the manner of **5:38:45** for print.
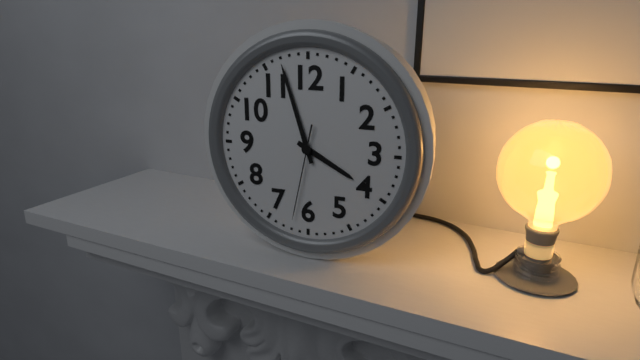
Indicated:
**3:57:32**
